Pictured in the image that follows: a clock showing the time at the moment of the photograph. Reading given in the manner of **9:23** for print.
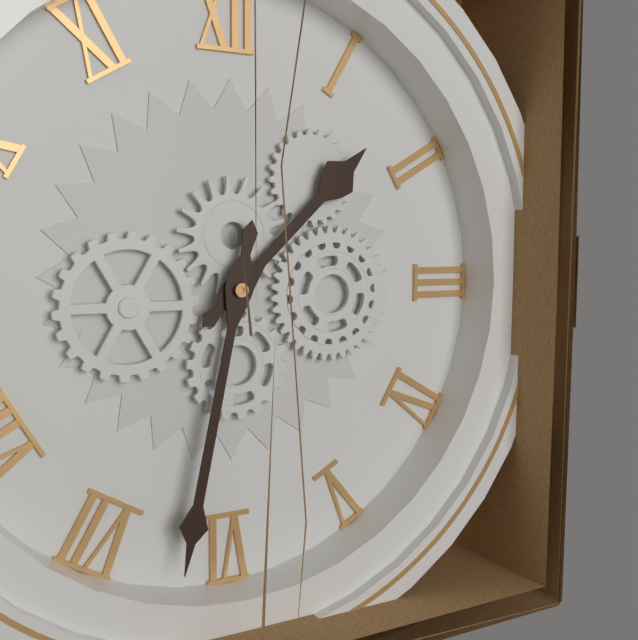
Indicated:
**1:32**
